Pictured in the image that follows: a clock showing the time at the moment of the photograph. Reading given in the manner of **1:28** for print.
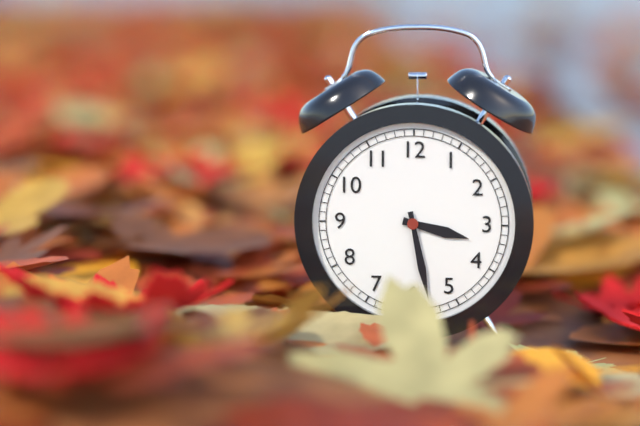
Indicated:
**3:28**
